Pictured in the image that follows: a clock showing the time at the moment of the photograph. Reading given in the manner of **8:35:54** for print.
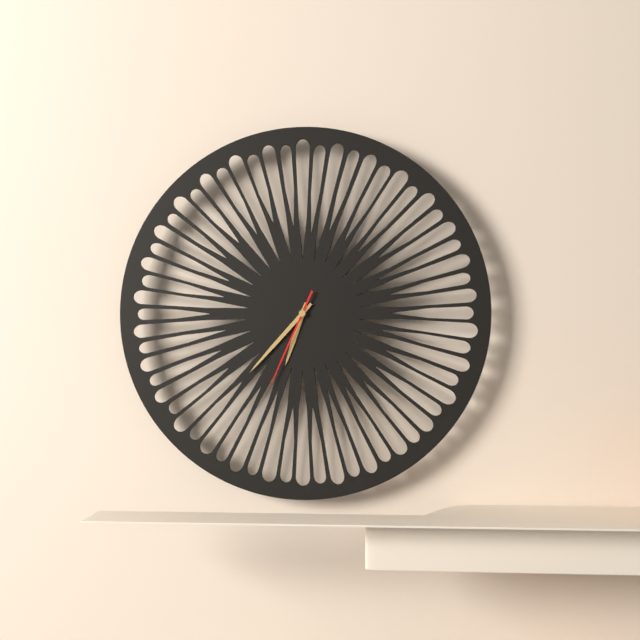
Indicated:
**6:37:34**
